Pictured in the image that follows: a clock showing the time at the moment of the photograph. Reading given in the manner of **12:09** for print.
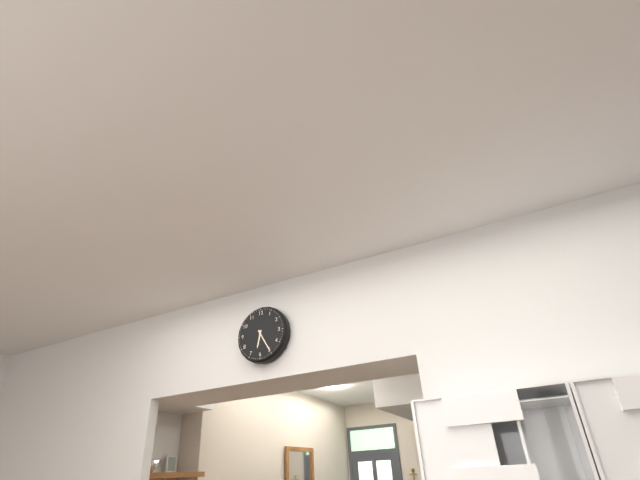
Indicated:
**6:25**
